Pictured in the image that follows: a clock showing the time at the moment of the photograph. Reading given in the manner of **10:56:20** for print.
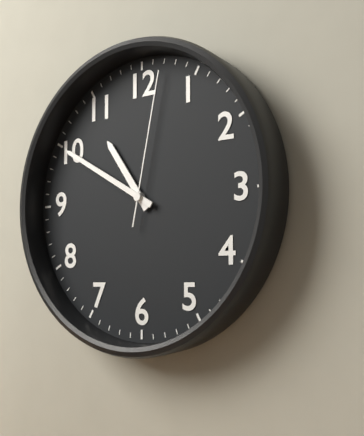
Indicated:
**10:50:02**
